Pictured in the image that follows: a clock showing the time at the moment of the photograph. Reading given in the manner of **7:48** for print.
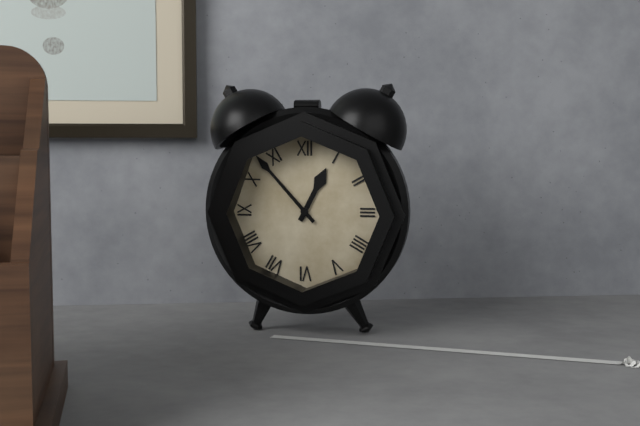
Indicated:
**12:53**
